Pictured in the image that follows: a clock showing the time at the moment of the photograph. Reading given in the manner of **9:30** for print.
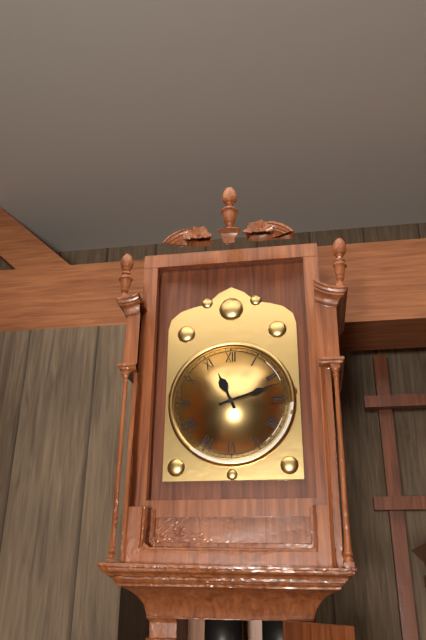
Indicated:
**11:12**
